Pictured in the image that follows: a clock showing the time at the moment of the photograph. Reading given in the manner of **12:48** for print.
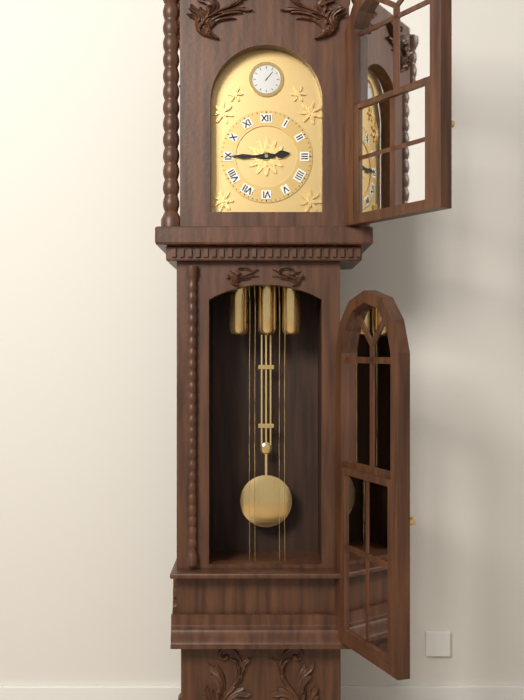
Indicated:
**2:45**
